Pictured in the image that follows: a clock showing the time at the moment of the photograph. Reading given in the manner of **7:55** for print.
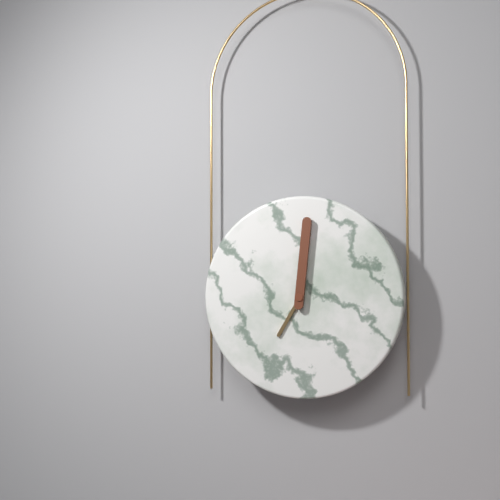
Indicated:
**7:01**
